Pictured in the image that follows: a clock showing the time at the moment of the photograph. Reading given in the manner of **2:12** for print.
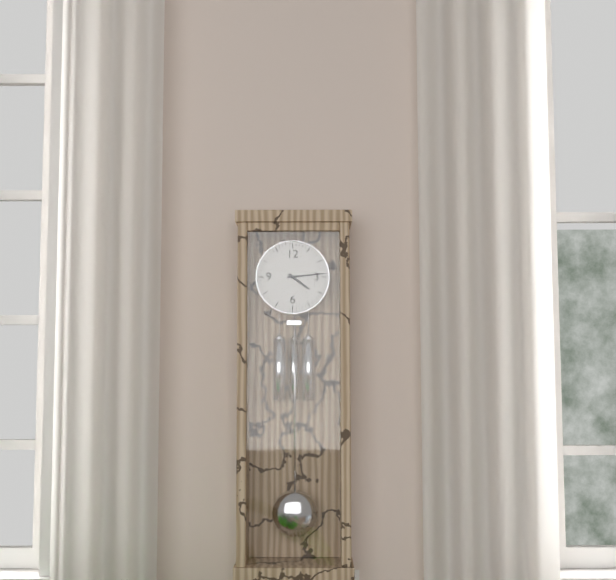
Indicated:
**4:14**
